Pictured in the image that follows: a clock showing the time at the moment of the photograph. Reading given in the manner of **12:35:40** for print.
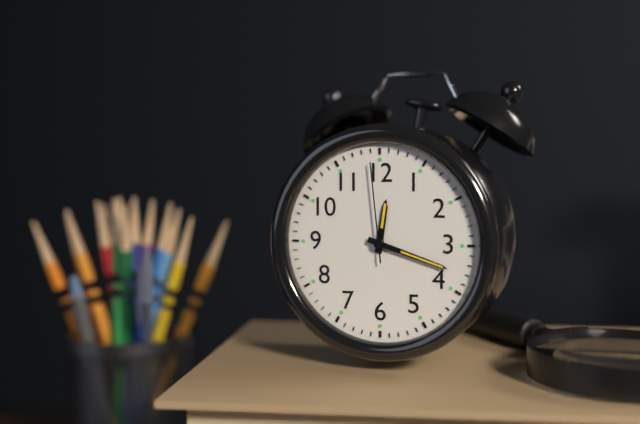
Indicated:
**12:18:59**
